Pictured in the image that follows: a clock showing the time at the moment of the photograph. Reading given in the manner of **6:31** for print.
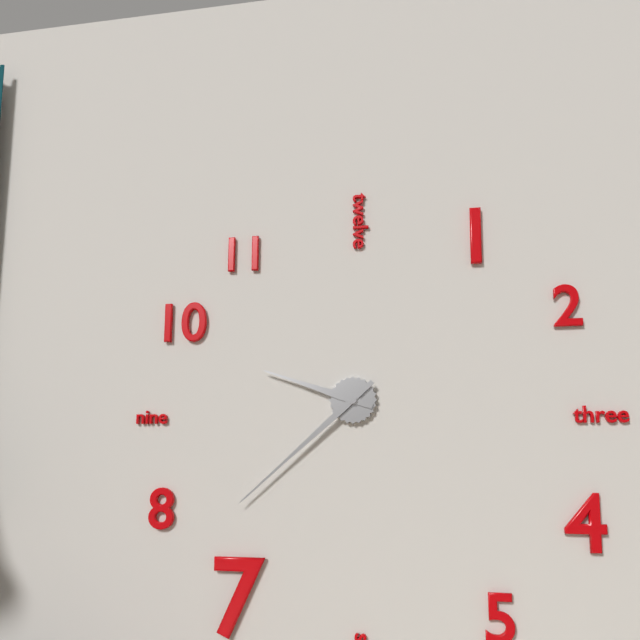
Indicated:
**9:38**
